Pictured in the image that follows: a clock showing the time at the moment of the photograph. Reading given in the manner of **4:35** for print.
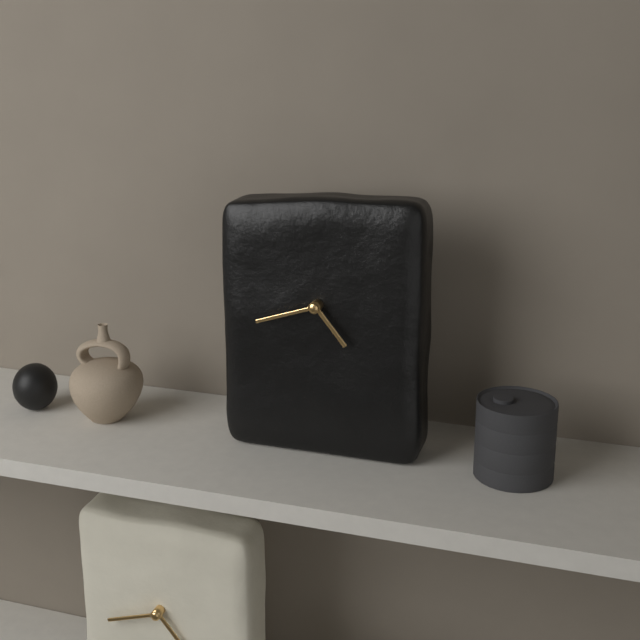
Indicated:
**4:42**
